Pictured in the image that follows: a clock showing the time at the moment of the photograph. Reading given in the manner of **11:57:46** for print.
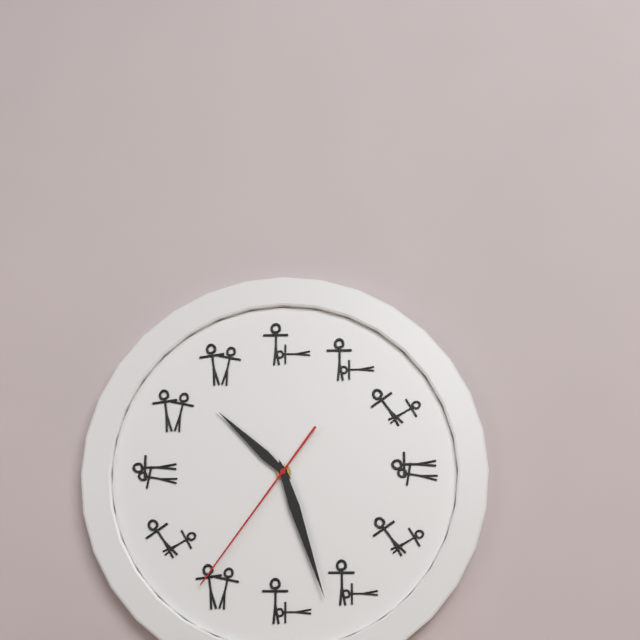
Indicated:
**10:27:36**
